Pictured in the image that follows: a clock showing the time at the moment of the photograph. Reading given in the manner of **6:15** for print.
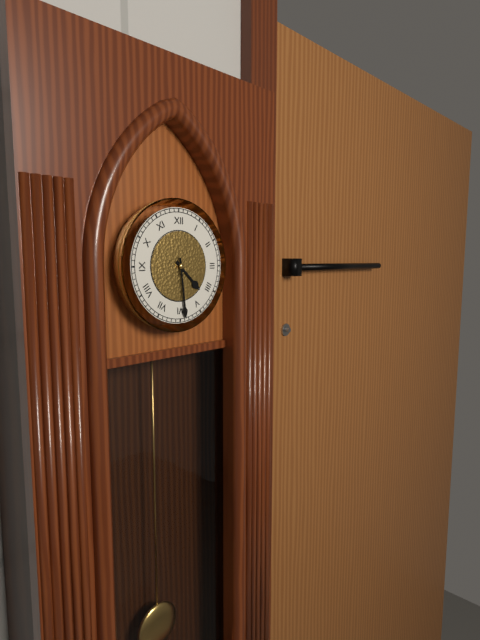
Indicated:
**4:29**
